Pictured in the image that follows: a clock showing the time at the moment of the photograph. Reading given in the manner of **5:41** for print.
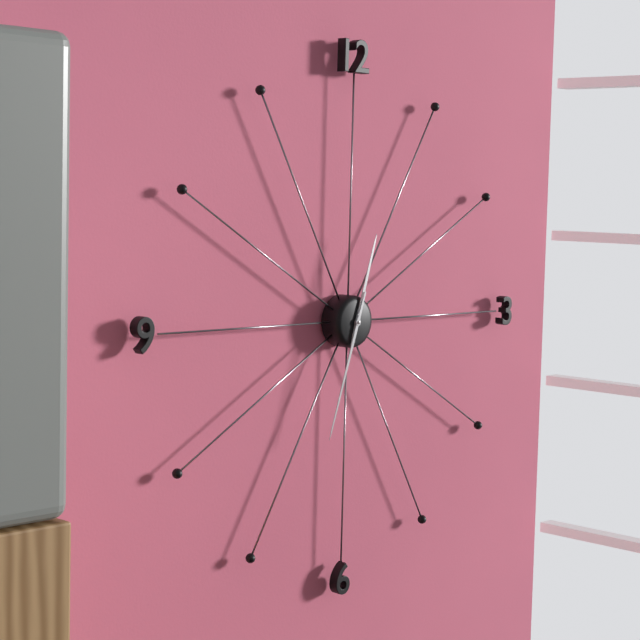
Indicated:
**12:33**
